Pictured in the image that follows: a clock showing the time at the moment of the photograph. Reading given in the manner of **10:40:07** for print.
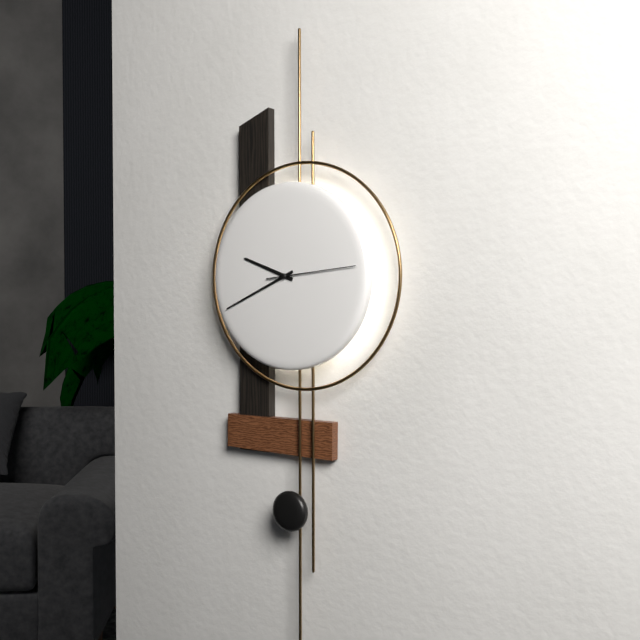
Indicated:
**9:41:14**
